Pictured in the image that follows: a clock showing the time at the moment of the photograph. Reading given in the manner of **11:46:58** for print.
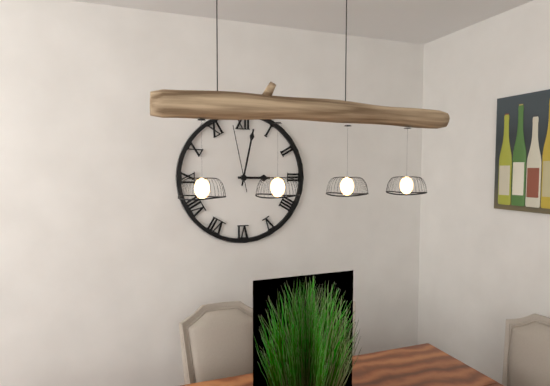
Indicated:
**3:02:58**
